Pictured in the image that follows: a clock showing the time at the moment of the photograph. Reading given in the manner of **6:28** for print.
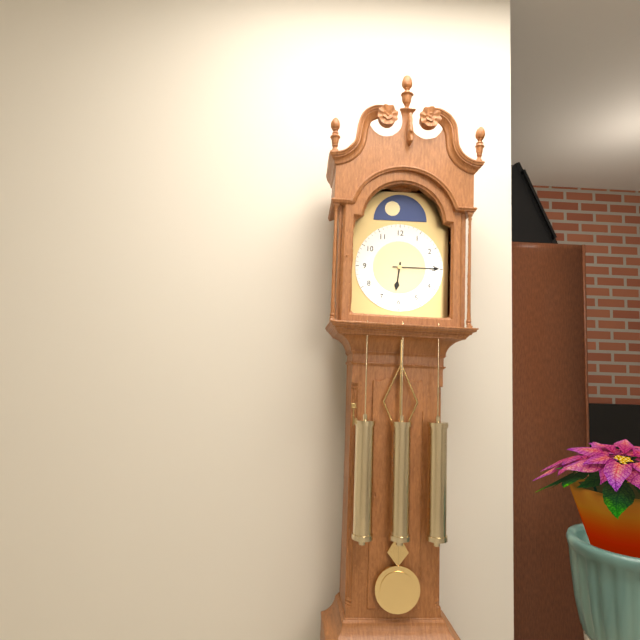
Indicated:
**6:15**
